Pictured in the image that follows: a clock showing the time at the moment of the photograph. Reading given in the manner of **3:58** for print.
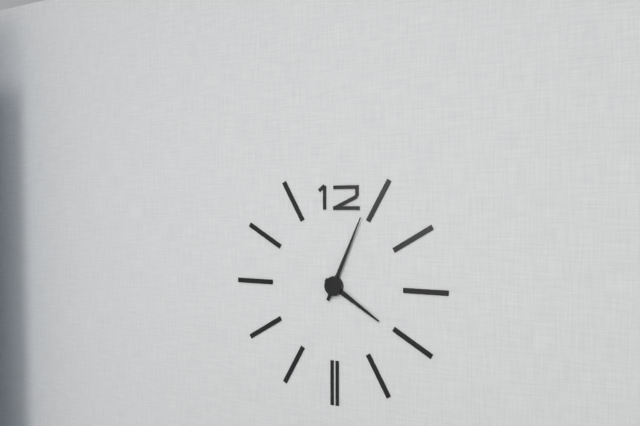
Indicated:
**4:04**
